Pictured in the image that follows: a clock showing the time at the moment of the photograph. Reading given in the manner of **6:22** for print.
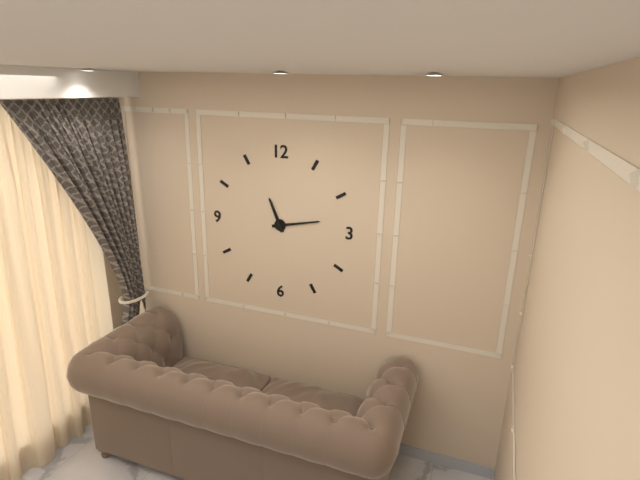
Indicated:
**11:13**
